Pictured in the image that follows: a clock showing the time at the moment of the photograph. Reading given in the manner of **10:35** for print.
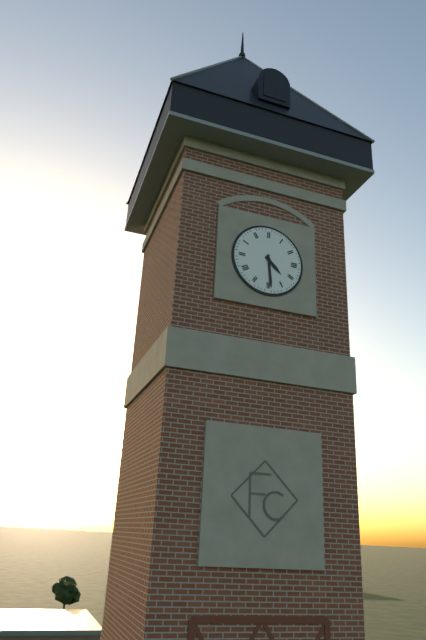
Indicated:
**4:29**
